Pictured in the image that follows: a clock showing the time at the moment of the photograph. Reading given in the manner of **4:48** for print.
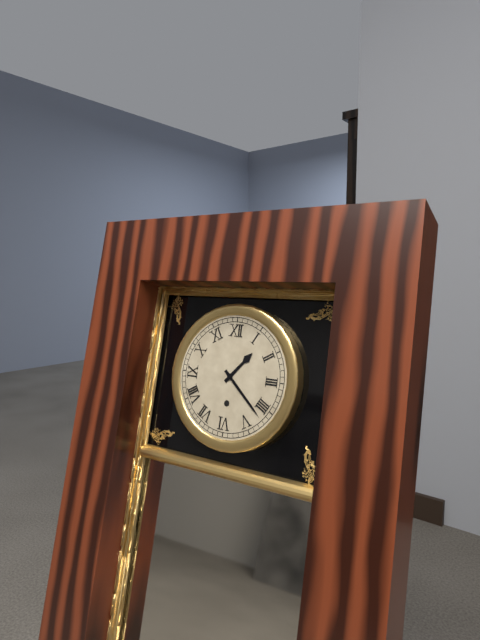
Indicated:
**1:22**
